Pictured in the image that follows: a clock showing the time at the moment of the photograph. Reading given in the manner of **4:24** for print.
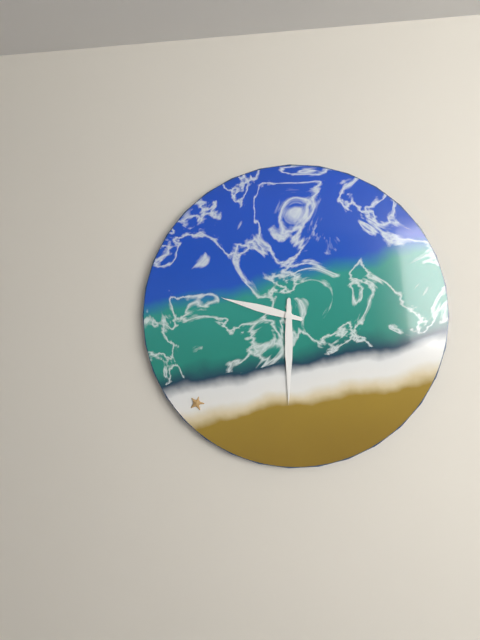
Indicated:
**9:30**
